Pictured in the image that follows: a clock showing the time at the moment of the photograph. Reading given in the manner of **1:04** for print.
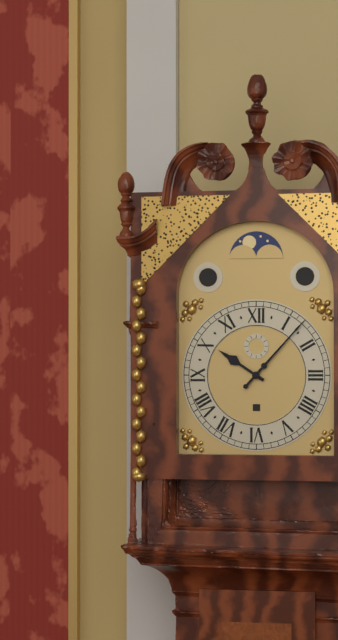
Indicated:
**10:07**
